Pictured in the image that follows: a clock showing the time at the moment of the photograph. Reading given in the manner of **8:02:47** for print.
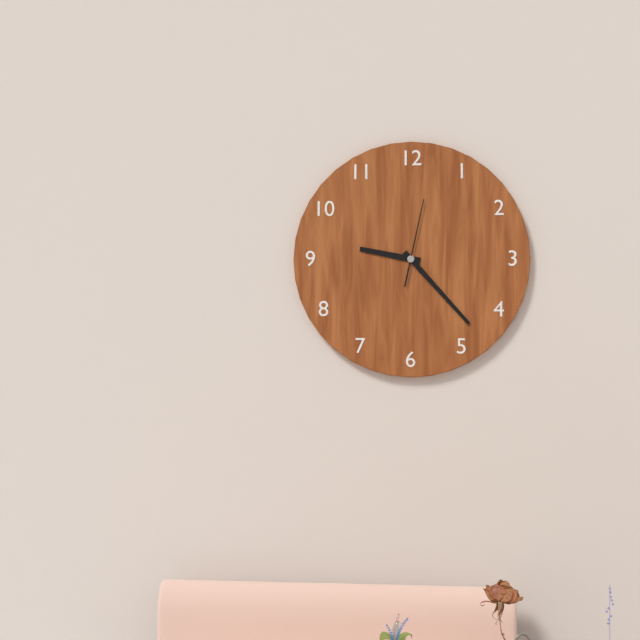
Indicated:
**9:23:02**
